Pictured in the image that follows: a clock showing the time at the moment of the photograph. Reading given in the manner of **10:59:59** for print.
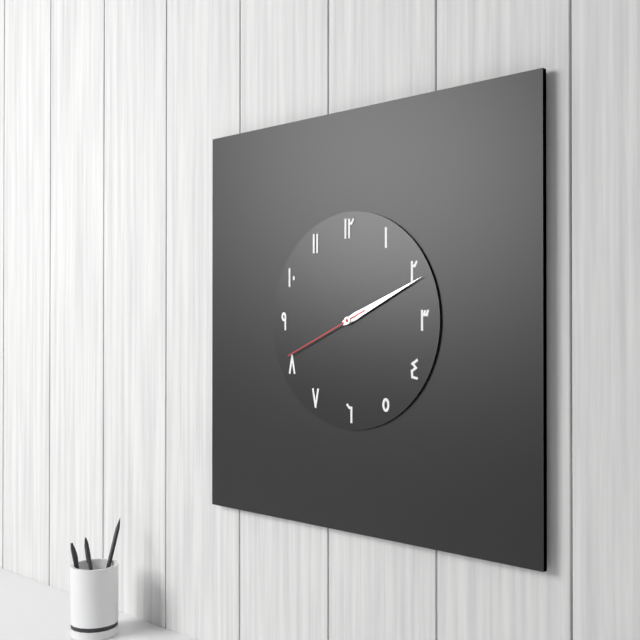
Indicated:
**2:11:41**
